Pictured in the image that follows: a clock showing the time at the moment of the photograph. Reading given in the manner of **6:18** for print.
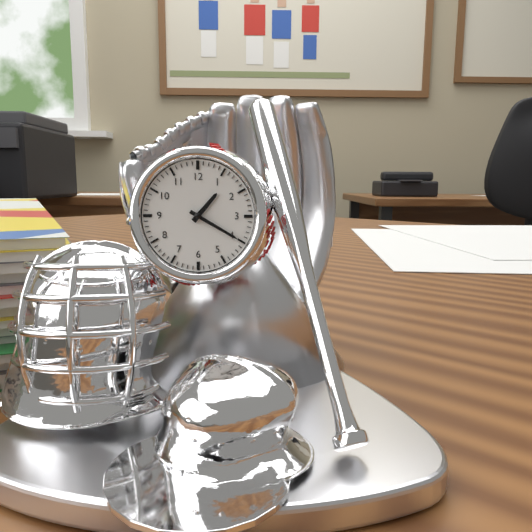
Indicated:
**1:20**
